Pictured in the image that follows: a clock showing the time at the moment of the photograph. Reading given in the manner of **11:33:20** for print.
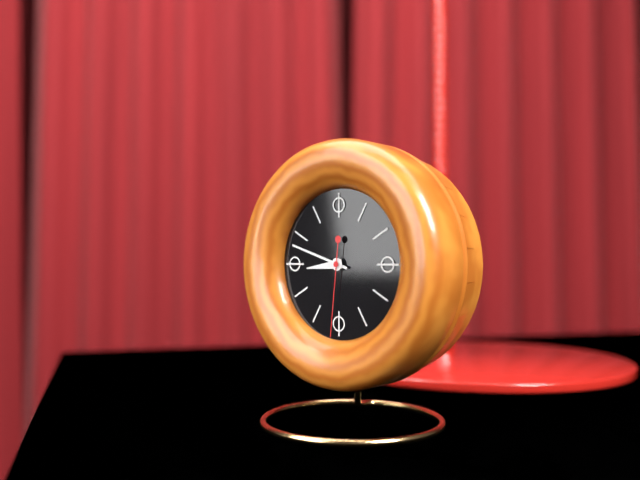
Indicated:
**8:48:31**
